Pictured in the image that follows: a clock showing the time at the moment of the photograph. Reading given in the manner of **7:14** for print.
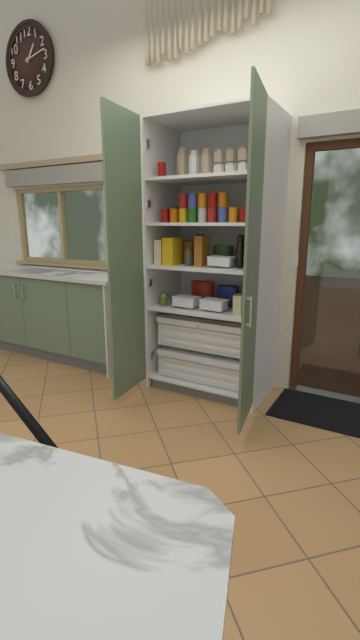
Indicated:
**1:13**
